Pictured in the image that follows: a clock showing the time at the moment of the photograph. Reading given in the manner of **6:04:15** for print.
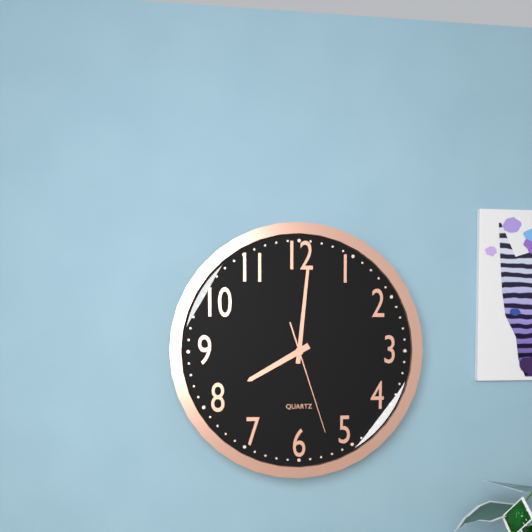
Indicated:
**8:01:27**
